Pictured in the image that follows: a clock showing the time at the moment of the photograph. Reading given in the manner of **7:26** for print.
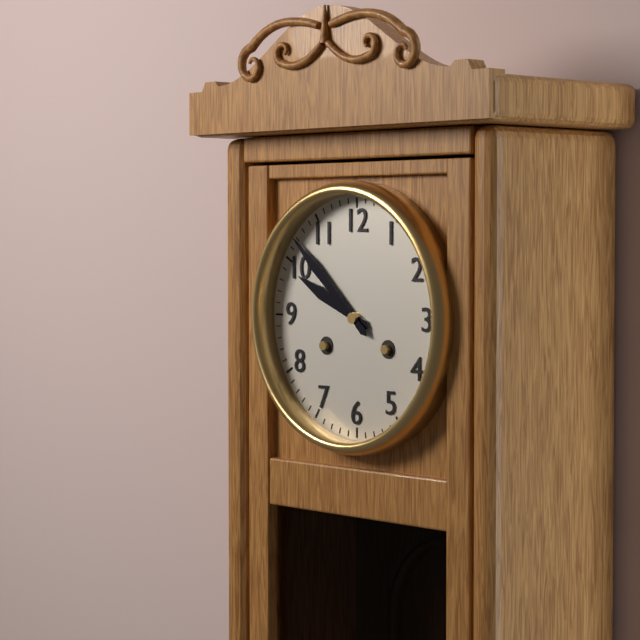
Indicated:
**9:52**
